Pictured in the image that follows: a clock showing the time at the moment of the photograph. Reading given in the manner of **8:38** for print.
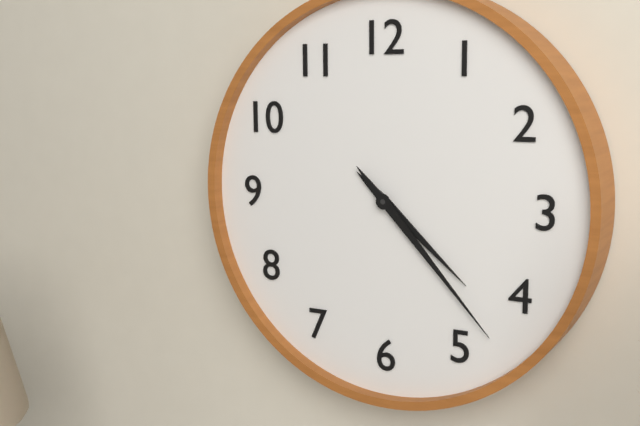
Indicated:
**4:23**
